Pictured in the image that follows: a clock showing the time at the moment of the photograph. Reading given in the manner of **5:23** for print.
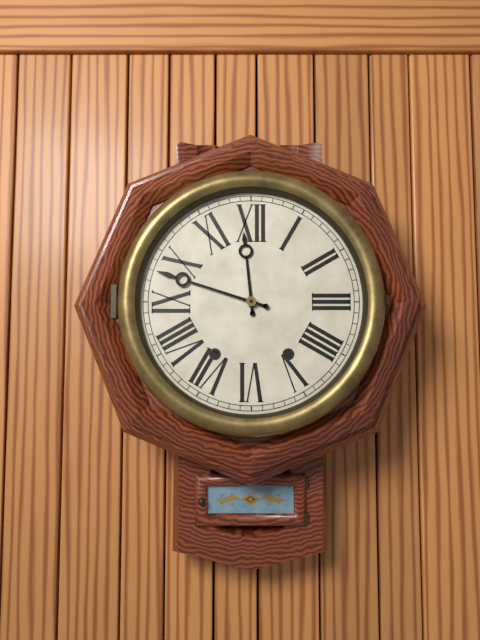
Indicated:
**11:48**
